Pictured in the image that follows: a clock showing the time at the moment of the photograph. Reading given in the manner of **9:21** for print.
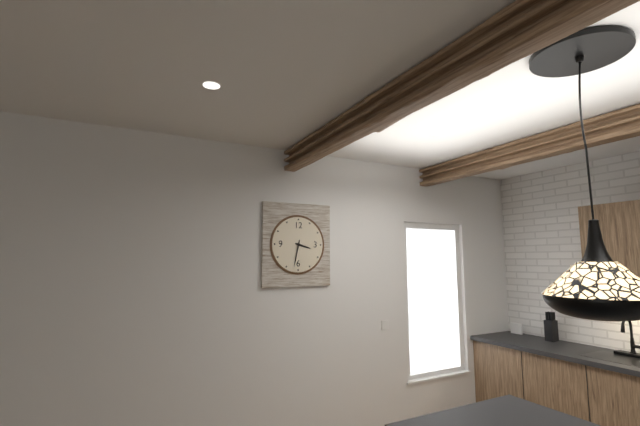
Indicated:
**3:32**
